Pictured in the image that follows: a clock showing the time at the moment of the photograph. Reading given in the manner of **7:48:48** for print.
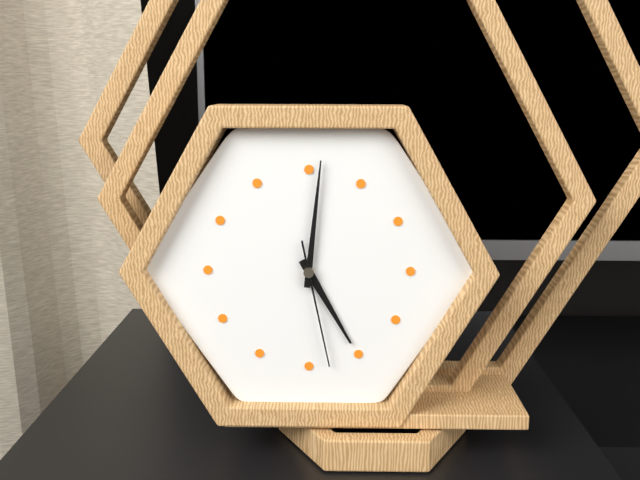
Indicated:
**5:01:28**
